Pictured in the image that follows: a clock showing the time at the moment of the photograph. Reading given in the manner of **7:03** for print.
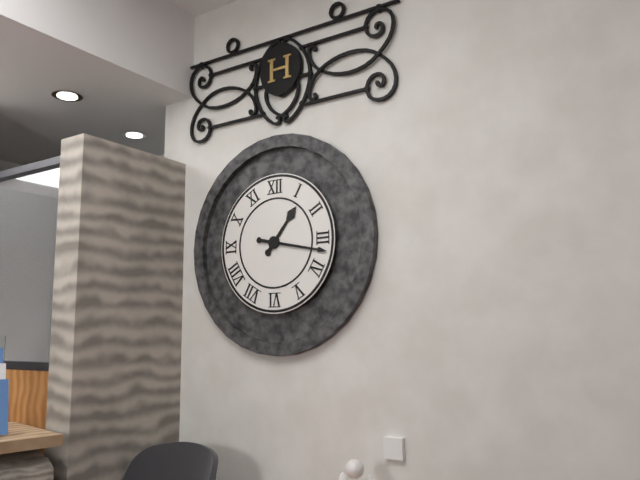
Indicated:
**1:17**
